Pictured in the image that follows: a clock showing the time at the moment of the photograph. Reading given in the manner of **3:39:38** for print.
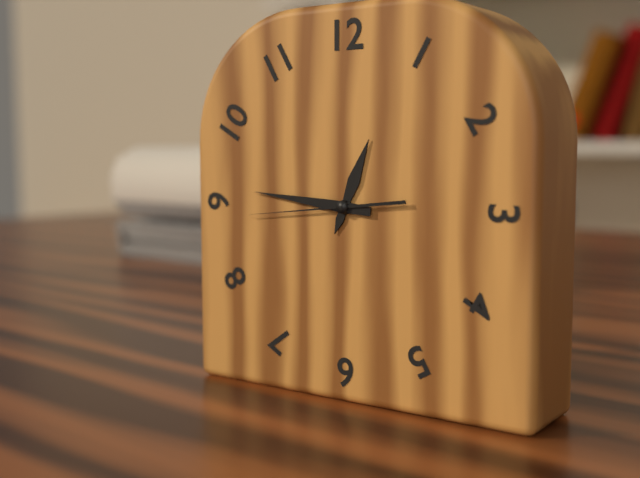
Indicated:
**12:46:44**
